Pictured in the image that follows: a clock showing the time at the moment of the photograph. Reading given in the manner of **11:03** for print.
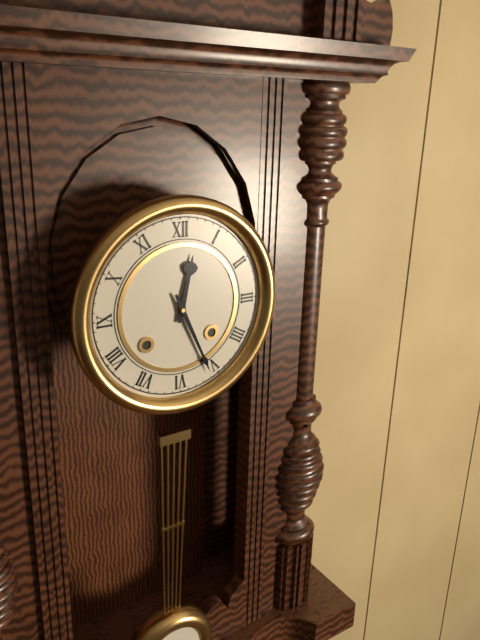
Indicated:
**12:26**
